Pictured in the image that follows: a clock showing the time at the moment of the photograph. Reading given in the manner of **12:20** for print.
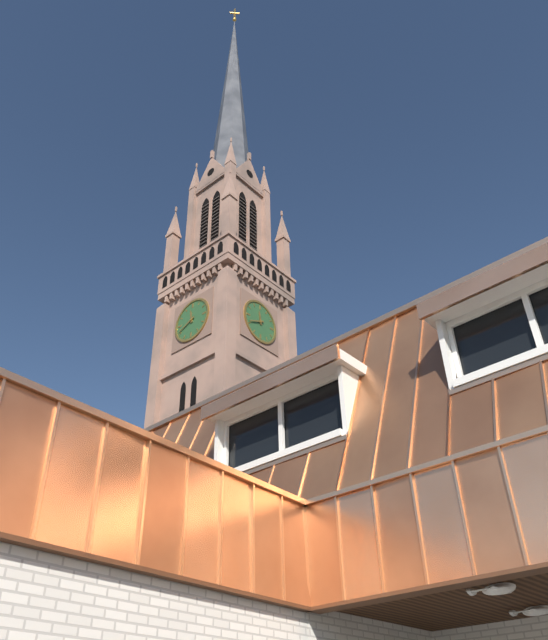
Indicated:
**11:41**
